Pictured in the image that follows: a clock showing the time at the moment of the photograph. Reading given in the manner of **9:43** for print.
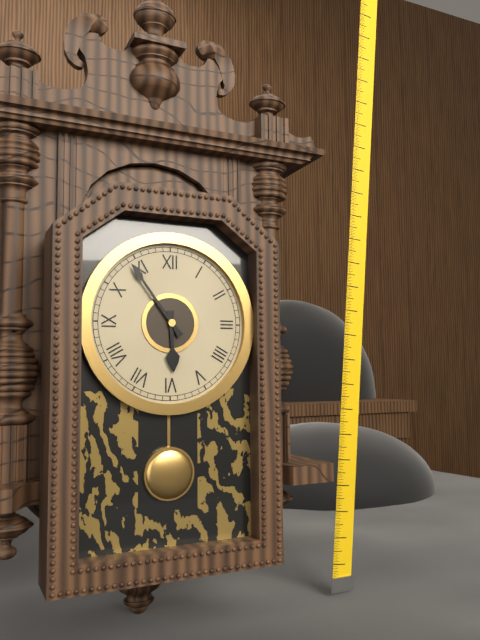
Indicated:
**5:54**
